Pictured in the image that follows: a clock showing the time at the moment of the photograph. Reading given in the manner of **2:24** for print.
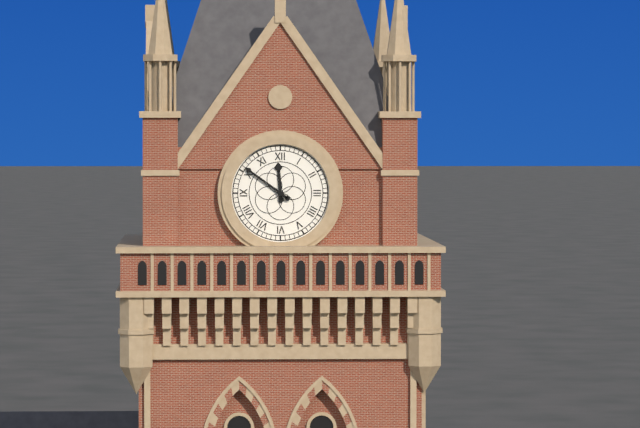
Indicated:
**11:51**
